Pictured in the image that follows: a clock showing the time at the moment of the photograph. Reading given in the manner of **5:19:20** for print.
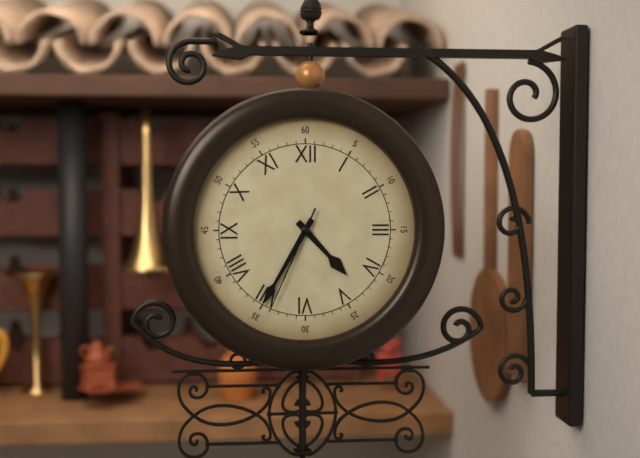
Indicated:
**4:35:34**
